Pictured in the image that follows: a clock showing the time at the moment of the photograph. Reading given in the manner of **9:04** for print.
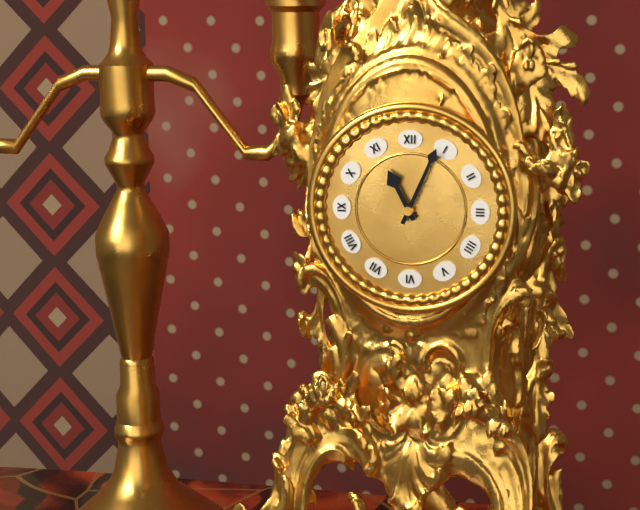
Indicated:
**11:04**
